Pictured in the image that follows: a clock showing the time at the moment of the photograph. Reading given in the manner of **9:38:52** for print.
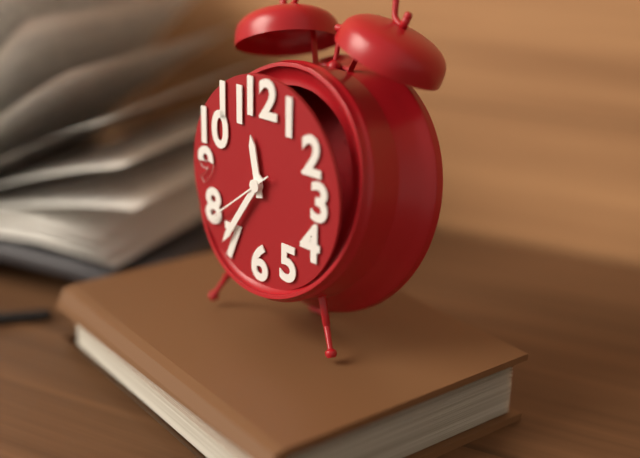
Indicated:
**11:36:39**
